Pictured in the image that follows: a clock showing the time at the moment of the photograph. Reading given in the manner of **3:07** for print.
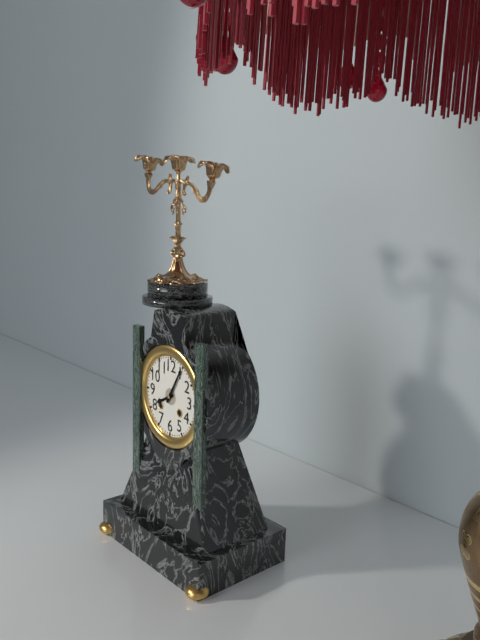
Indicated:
**8:05**
